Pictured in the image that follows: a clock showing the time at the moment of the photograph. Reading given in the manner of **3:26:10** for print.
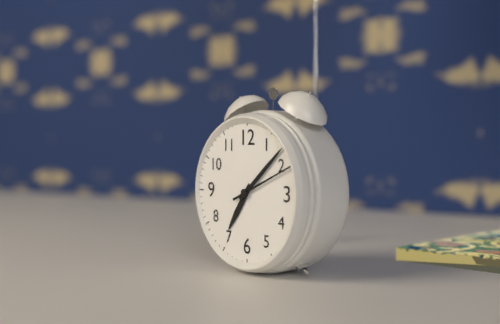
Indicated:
**7:08:11**
